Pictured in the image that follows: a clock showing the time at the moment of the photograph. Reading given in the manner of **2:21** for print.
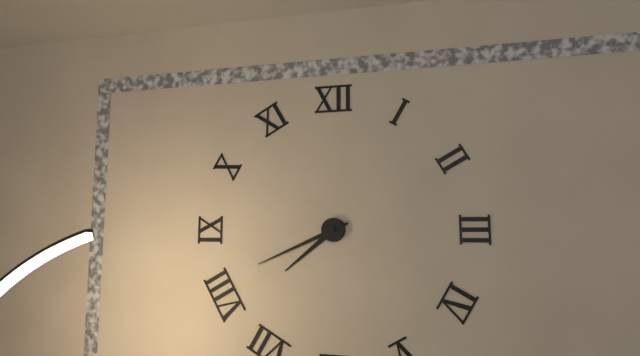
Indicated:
**7:41**
